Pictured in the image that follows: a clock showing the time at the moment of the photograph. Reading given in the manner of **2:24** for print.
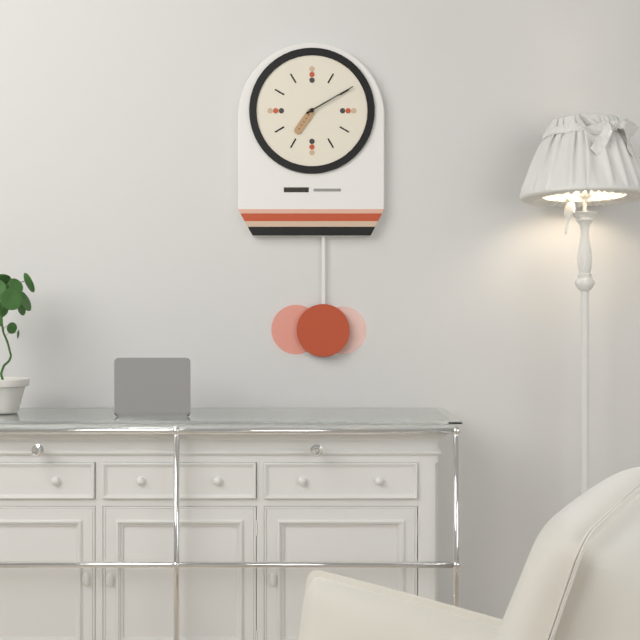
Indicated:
**7:10**
